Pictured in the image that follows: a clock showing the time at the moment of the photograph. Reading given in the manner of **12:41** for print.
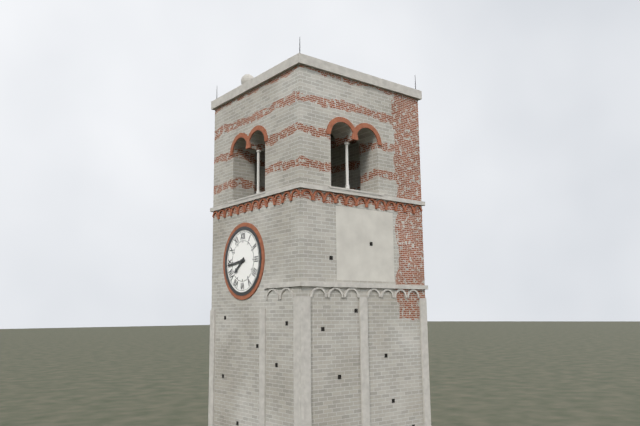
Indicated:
**7:44**
